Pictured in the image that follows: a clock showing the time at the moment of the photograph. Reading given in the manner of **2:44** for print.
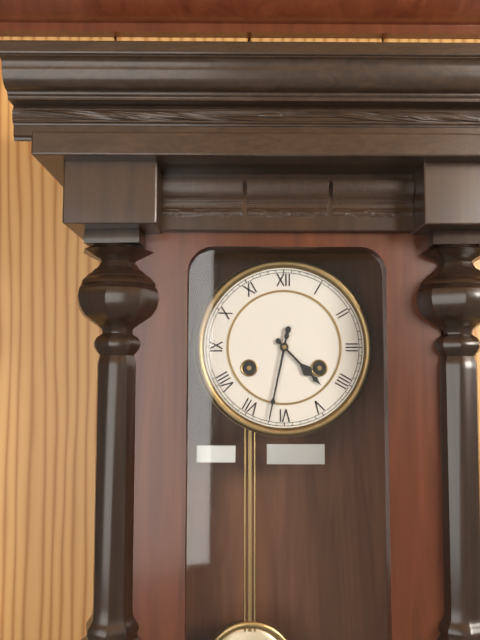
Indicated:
**4:32**
